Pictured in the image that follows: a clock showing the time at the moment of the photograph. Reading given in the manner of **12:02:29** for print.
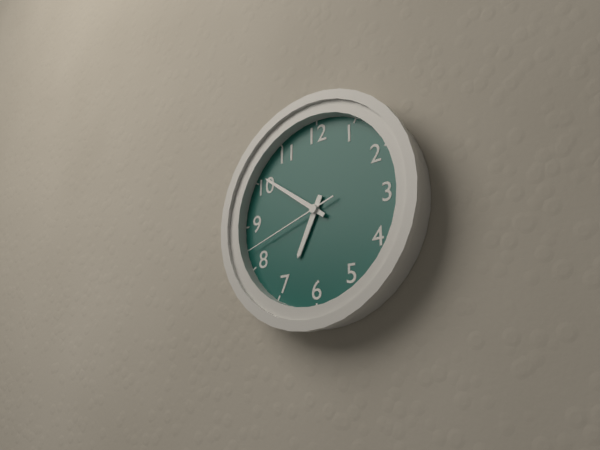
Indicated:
**6:51:42**
